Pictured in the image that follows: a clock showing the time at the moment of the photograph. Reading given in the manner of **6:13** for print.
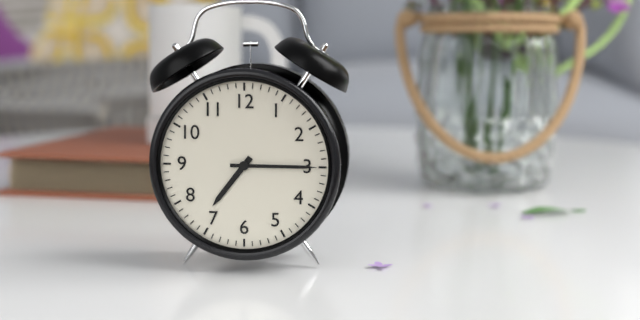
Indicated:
**7:15**
